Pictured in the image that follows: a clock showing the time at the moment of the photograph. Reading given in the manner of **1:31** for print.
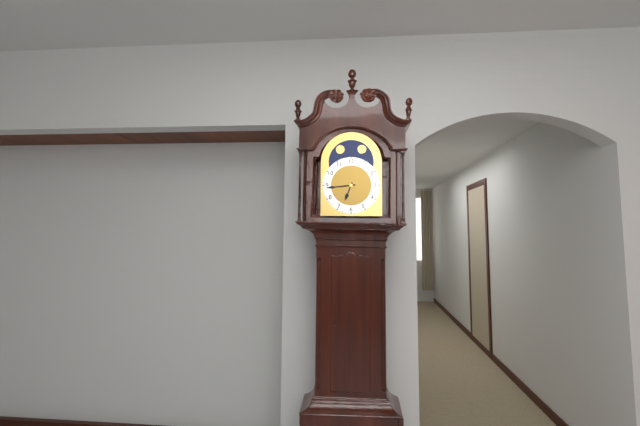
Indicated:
**6:44**
